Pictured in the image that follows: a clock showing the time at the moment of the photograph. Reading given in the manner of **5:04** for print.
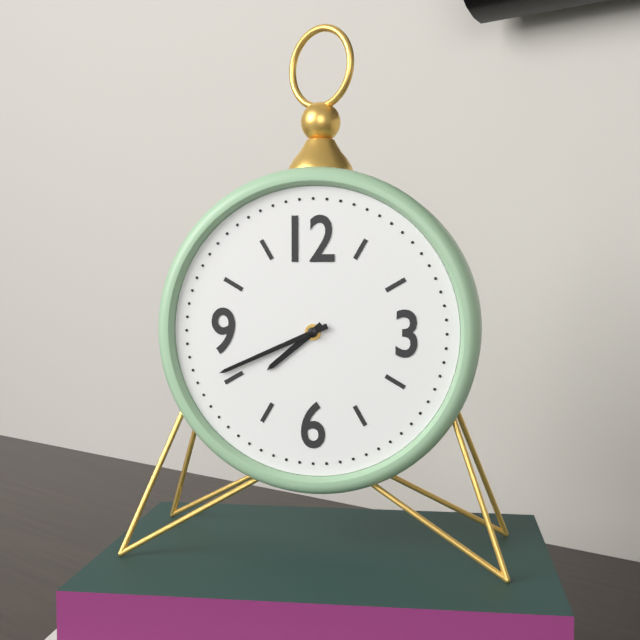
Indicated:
**7:41**
